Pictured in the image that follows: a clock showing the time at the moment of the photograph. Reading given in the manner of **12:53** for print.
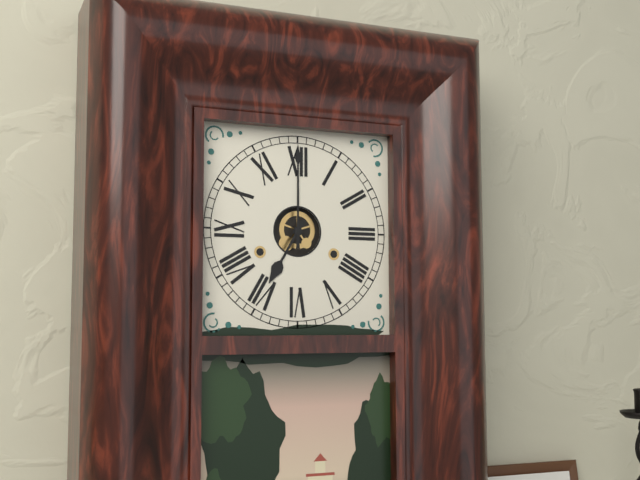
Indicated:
**7:00**
